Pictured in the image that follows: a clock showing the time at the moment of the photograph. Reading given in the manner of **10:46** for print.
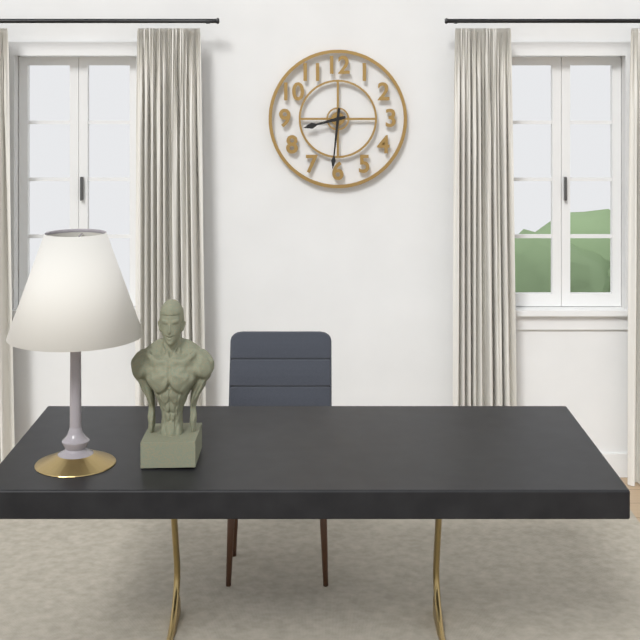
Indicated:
**8:31**
